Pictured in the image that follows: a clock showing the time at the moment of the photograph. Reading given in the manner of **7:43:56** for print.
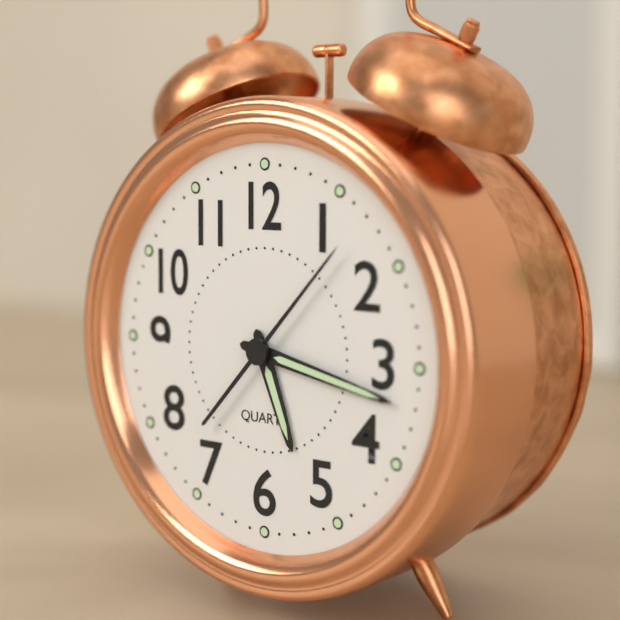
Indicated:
**5:17:07**
